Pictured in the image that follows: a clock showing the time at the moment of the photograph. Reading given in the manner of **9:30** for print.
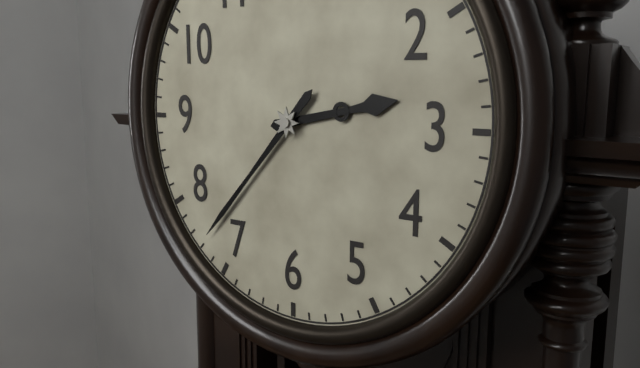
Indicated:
**2:37**
